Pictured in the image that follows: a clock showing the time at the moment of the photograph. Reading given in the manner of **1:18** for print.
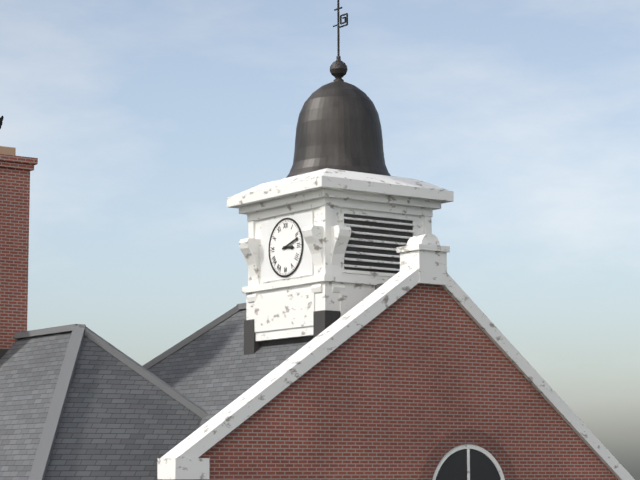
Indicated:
**3:12**
